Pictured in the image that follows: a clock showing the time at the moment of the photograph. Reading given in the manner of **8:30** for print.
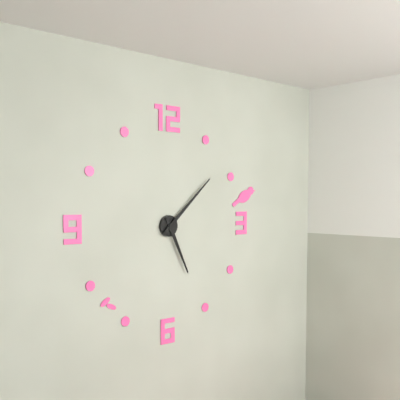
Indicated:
**5:08**
